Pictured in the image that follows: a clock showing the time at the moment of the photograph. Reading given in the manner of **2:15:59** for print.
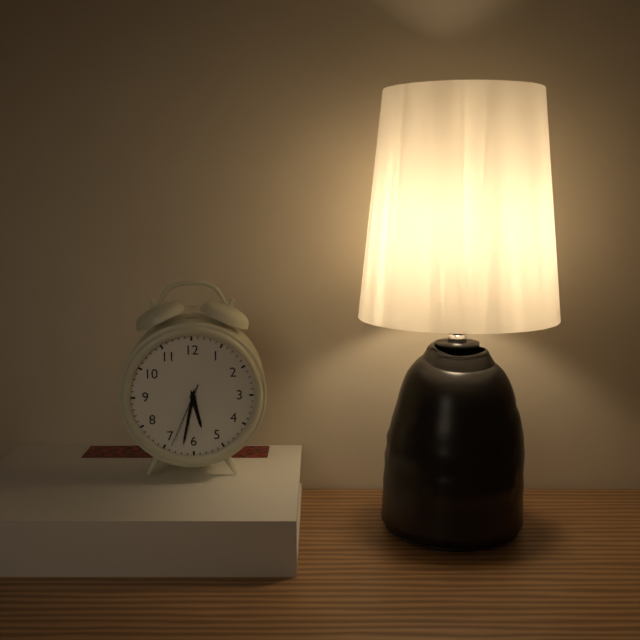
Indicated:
**5:32:34**
